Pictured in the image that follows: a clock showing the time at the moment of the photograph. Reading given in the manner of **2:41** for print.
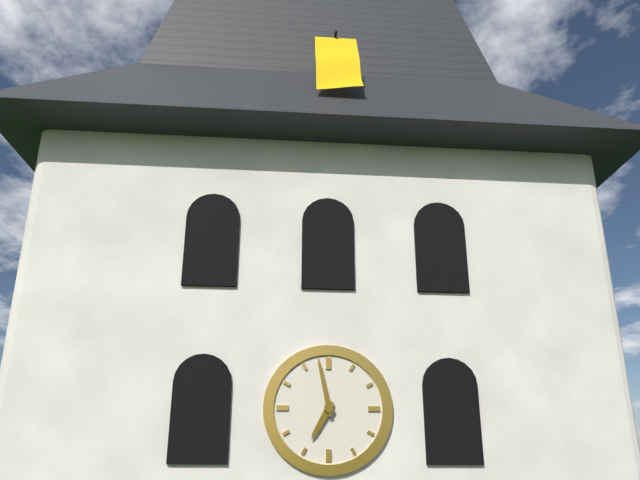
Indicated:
**6:58**
